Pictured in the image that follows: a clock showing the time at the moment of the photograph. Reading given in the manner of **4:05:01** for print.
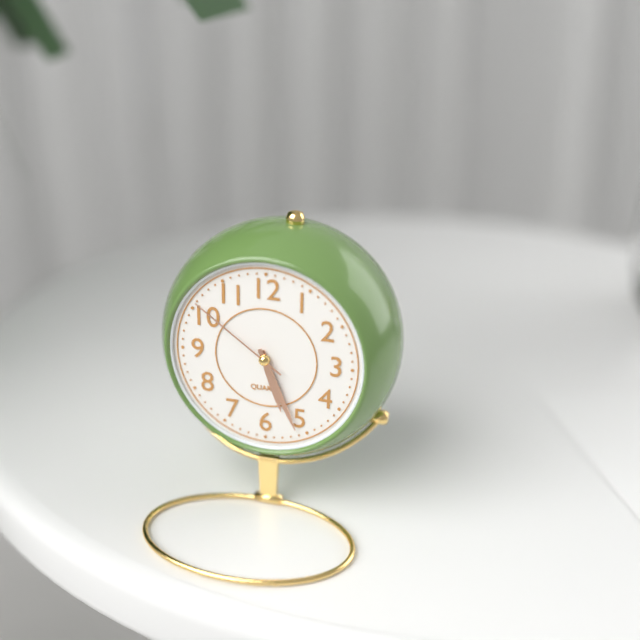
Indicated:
**5:26:51**
